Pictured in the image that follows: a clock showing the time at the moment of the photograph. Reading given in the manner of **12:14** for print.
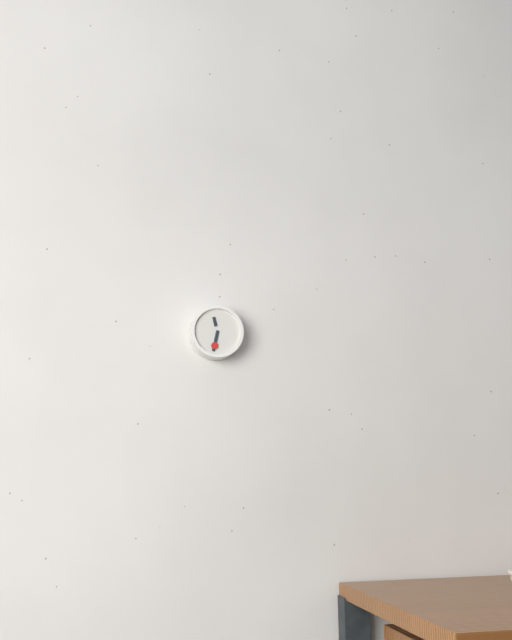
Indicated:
**11:32**
